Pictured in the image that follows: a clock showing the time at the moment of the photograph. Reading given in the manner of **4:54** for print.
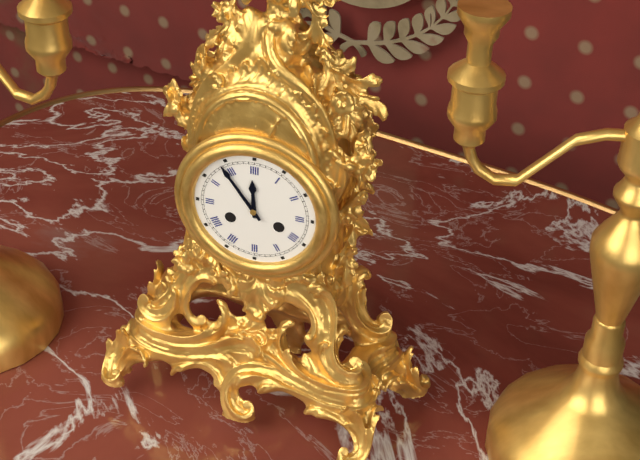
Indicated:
**11:54**
